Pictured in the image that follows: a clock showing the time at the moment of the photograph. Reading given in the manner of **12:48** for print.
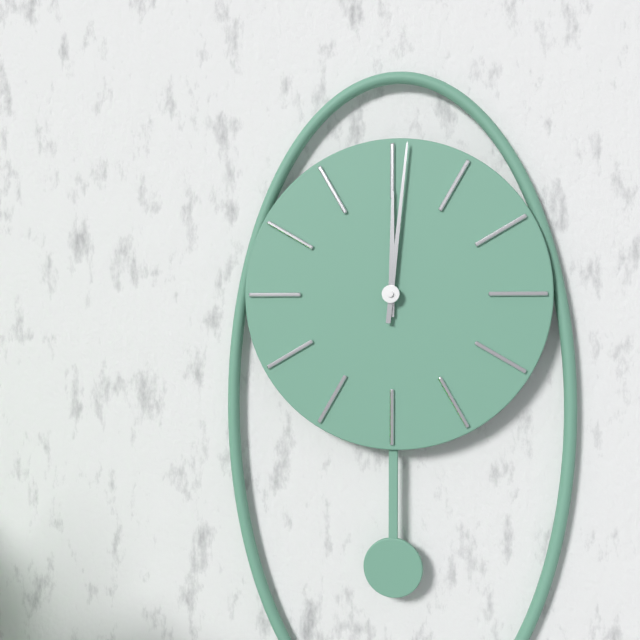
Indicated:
**12:01**
